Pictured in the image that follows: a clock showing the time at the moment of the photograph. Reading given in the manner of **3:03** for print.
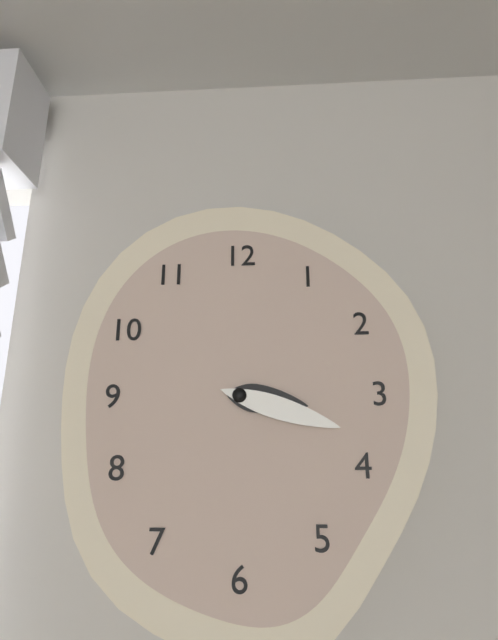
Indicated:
**3:18**
